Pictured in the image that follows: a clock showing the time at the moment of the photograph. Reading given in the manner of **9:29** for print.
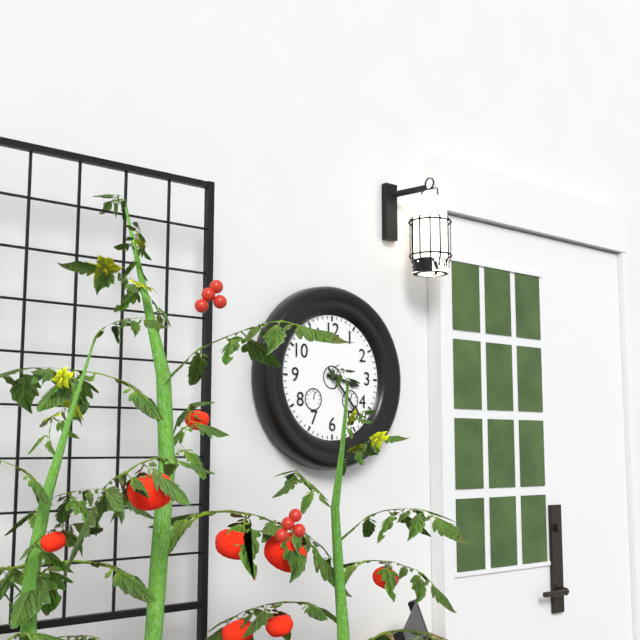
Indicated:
**3:23**
